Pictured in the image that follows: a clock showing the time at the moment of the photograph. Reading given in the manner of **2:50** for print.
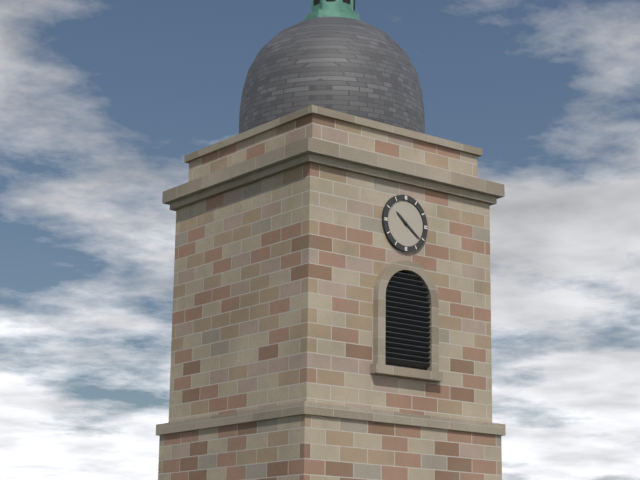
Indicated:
**10:21**
